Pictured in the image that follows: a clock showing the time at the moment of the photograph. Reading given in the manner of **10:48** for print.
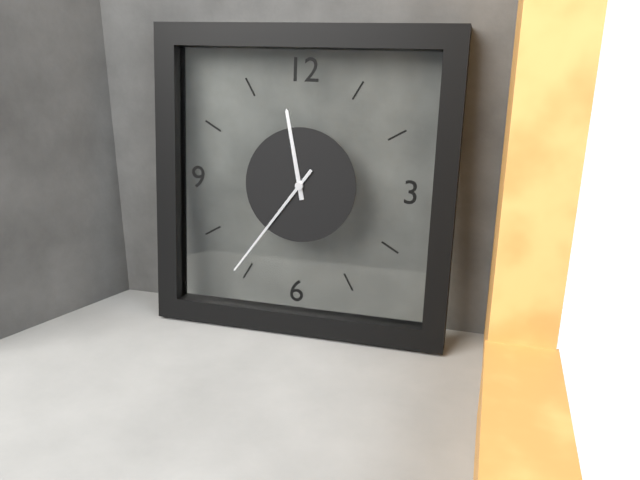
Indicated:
**11:36**
